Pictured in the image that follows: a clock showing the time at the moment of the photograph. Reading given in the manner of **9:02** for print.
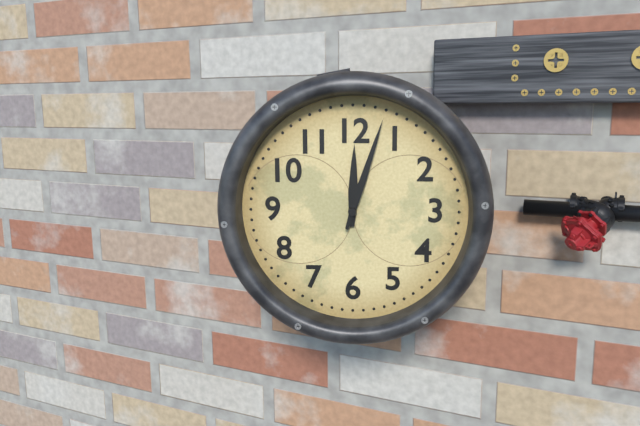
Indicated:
**12:03**
